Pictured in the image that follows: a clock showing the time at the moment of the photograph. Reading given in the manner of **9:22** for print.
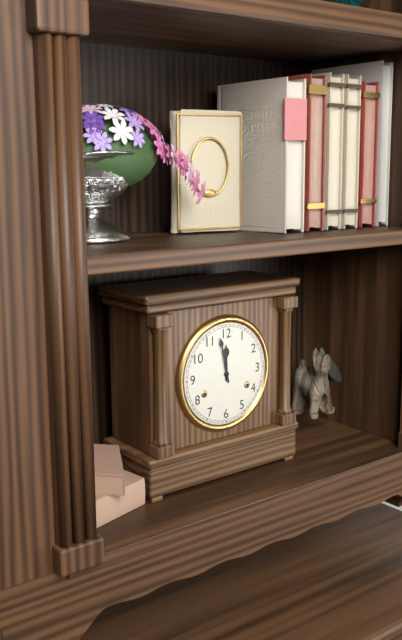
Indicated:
**11:58**
